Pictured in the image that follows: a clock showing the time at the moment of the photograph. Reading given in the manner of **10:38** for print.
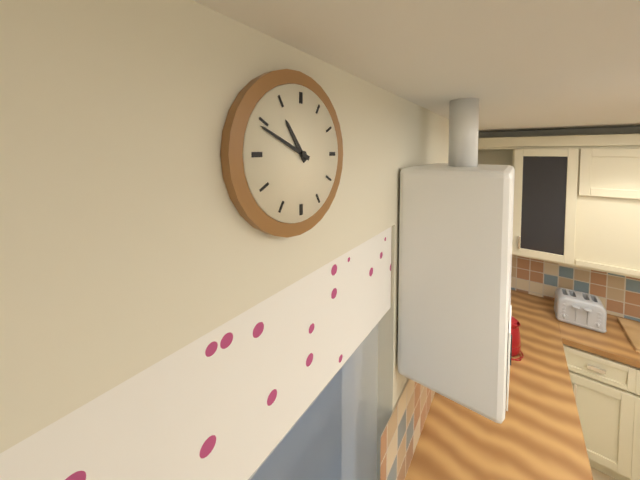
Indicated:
**10:49**
